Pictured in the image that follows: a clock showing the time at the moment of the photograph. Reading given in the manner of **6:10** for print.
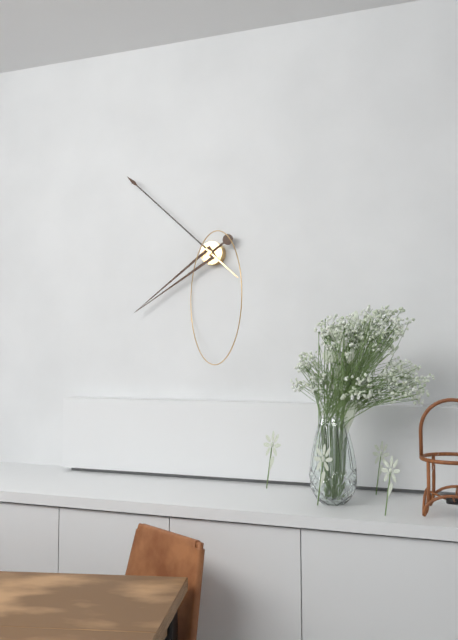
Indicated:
**7:52**
